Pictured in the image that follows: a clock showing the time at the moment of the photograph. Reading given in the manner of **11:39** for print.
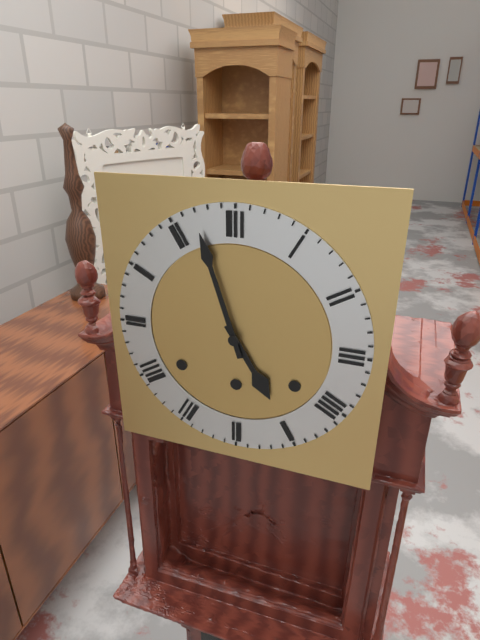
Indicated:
**4:57**
